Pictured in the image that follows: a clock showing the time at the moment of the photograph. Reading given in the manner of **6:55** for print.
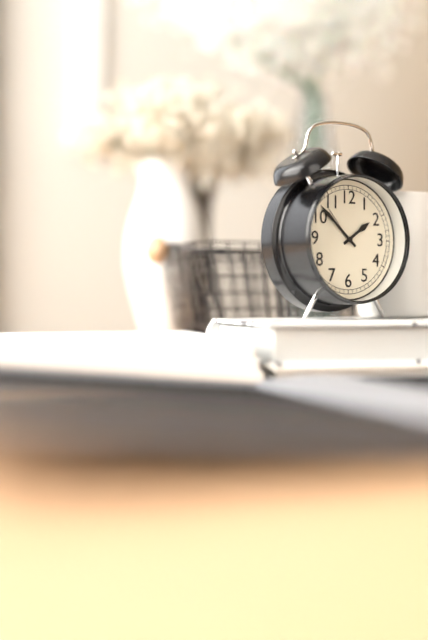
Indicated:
**1:52**
